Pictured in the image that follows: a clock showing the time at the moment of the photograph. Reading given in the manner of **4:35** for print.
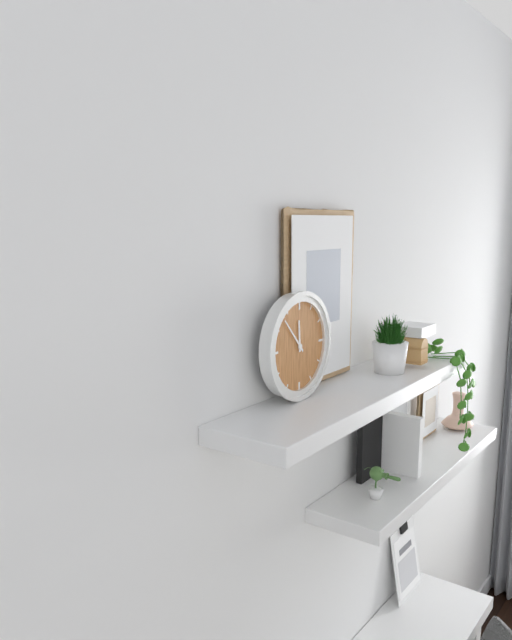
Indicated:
**11:53**
